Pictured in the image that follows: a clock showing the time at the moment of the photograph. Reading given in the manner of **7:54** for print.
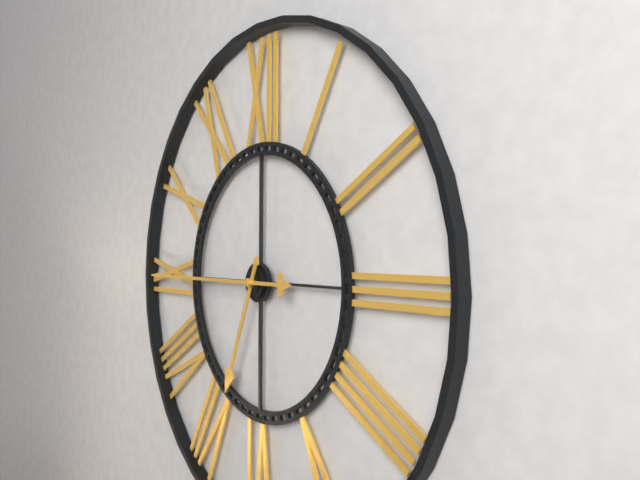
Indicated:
**6:45**
